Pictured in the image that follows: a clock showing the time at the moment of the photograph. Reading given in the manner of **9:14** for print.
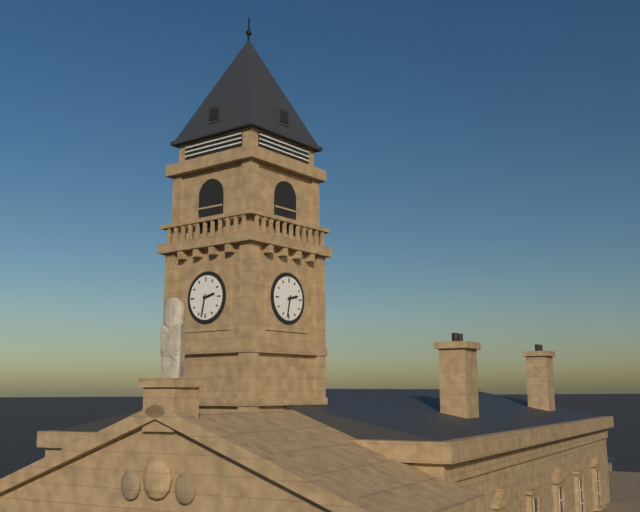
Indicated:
**2:32**
